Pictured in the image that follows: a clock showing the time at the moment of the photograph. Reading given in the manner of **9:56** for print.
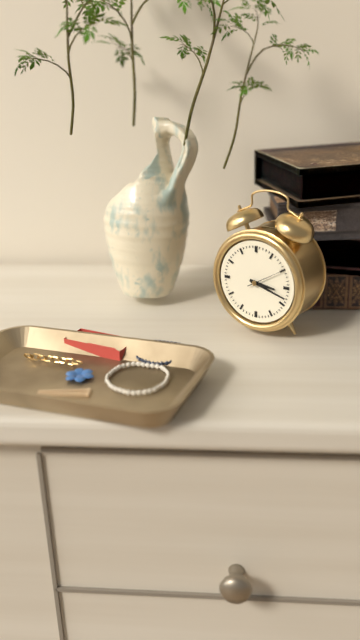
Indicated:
**3:18**
